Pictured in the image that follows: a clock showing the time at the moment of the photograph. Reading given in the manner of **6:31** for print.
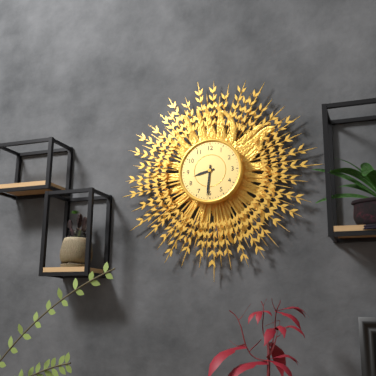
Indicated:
**8:31**
